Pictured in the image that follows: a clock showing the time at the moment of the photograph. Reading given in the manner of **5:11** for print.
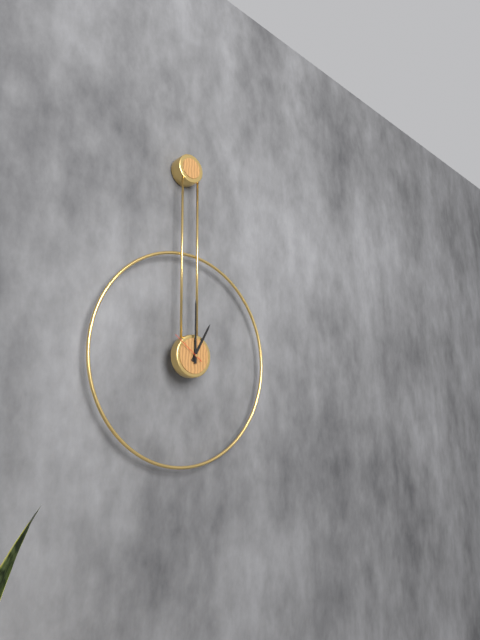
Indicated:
**1:00**
